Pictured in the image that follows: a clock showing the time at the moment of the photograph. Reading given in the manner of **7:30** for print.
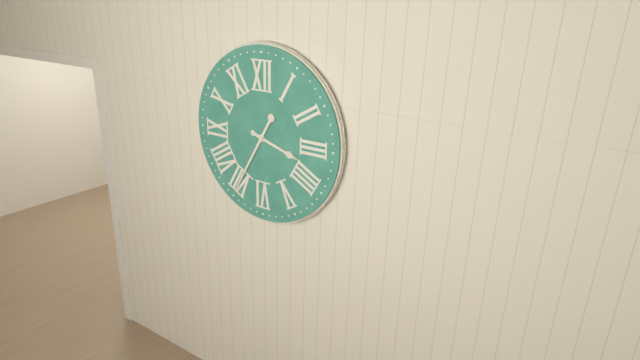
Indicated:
**3:35**
